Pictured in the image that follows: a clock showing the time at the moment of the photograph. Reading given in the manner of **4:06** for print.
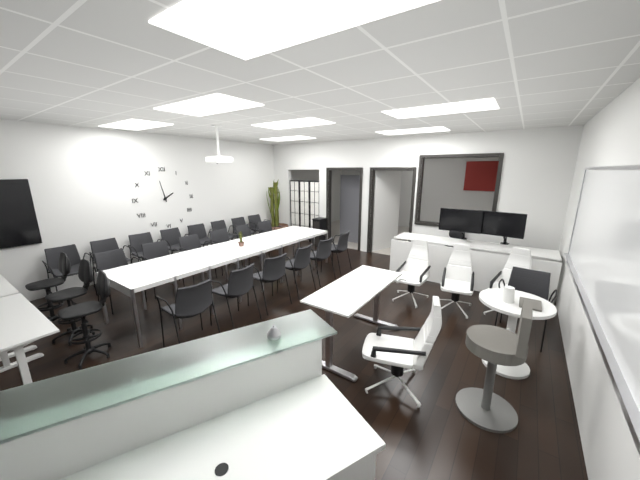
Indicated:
**1:58**
